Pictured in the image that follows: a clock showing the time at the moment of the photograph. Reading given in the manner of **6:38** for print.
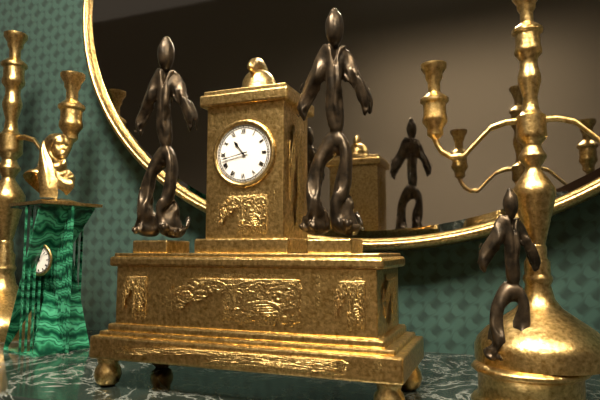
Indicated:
**10:43**
